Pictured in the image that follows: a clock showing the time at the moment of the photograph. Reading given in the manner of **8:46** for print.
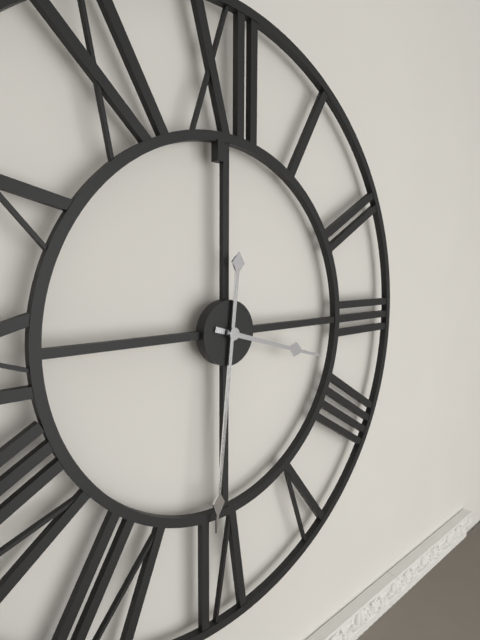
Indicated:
**3:31**
